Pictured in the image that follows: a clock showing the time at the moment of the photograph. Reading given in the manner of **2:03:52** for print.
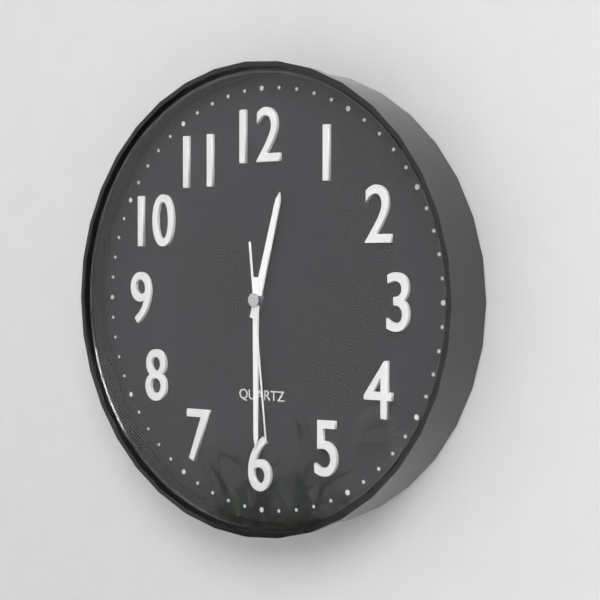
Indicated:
**12:30:29**
